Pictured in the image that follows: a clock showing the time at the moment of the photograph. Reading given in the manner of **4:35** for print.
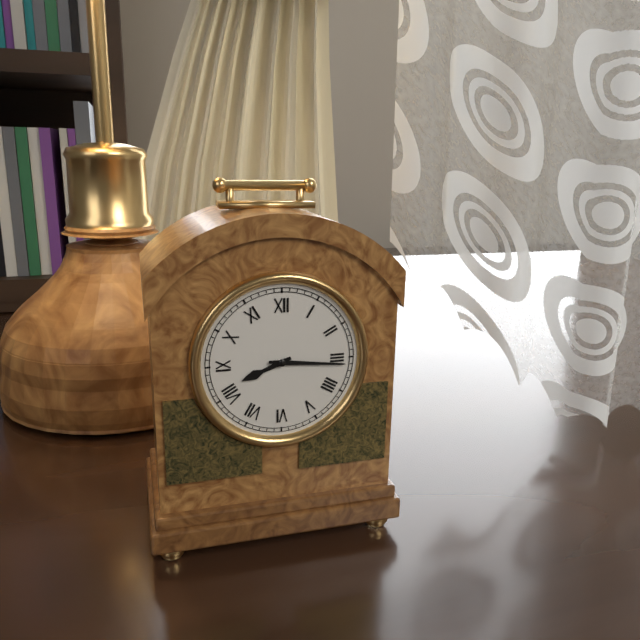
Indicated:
**8:16**
